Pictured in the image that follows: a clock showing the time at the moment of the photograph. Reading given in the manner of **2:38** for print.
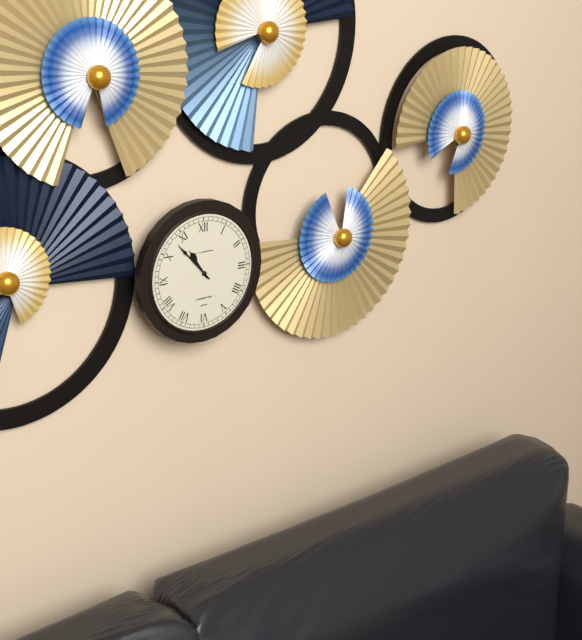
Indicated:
**10:53**
